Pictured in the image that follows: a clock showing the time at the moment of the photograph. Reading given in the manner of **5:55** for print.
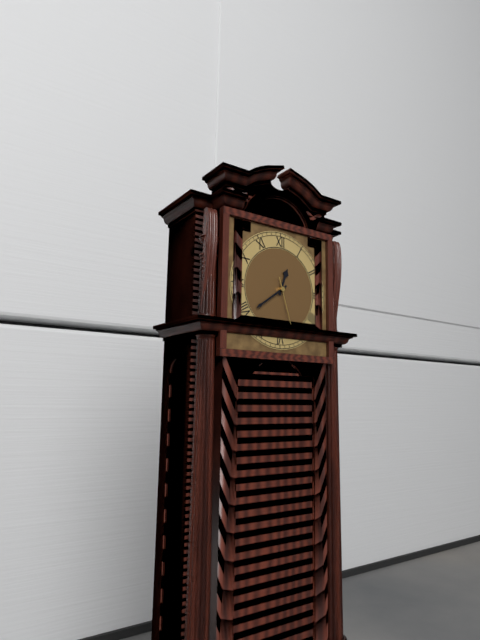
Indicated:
**12:39**
